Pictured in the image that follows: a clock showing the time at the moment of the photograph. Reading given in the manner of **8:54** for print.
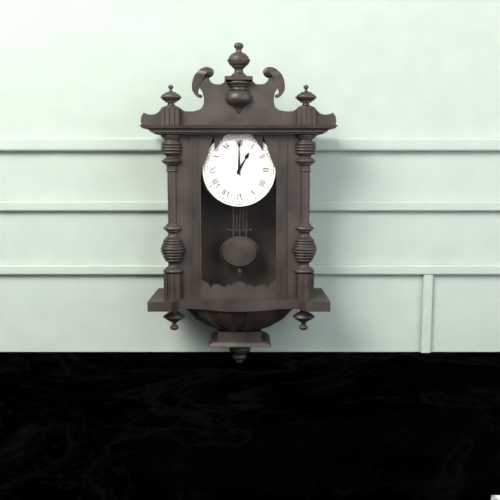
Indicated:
**1:00**
